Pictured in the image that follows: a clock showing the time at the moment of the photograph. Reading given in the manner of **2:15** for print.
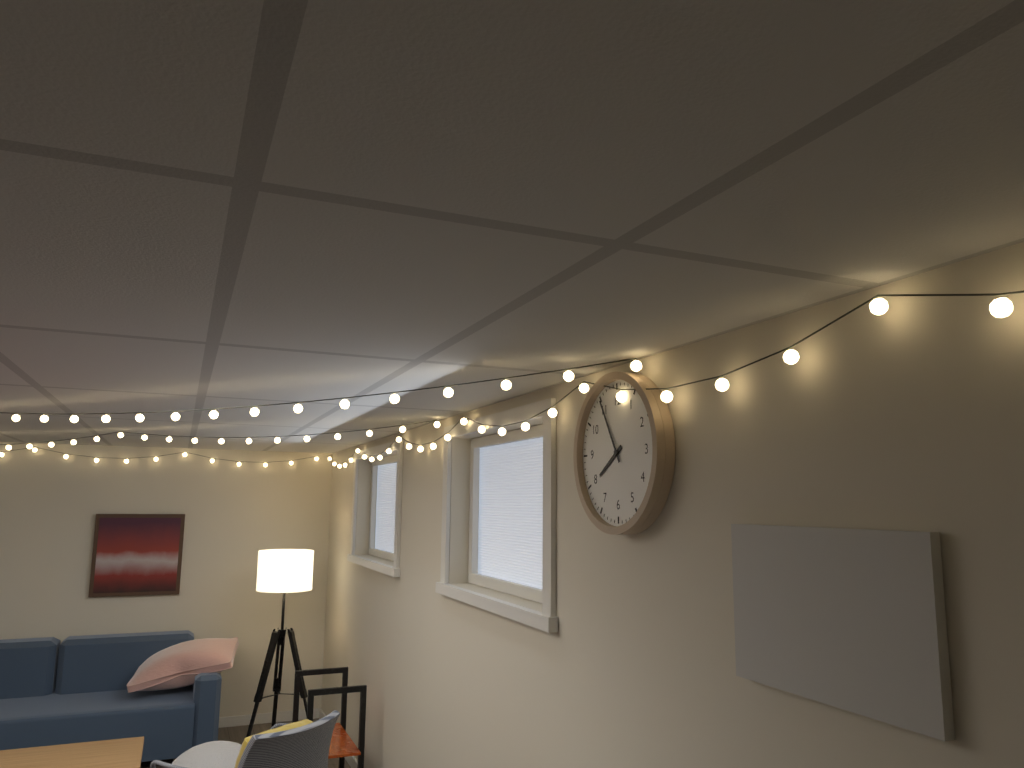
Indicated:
**7:55**
